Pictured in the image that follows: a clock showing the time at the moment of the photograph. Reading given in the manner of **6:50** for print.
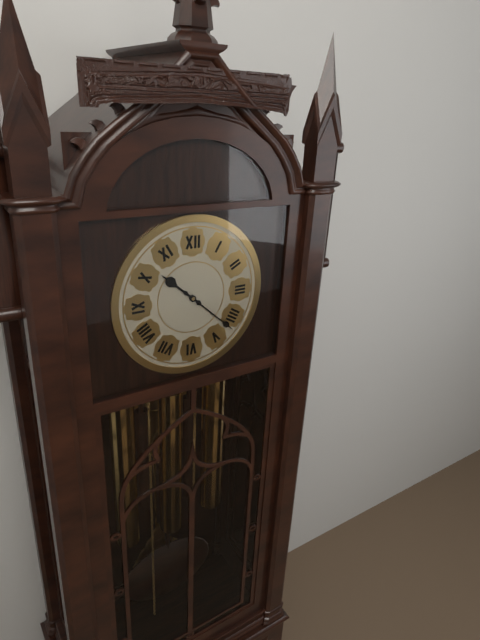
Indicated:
**10:22**
